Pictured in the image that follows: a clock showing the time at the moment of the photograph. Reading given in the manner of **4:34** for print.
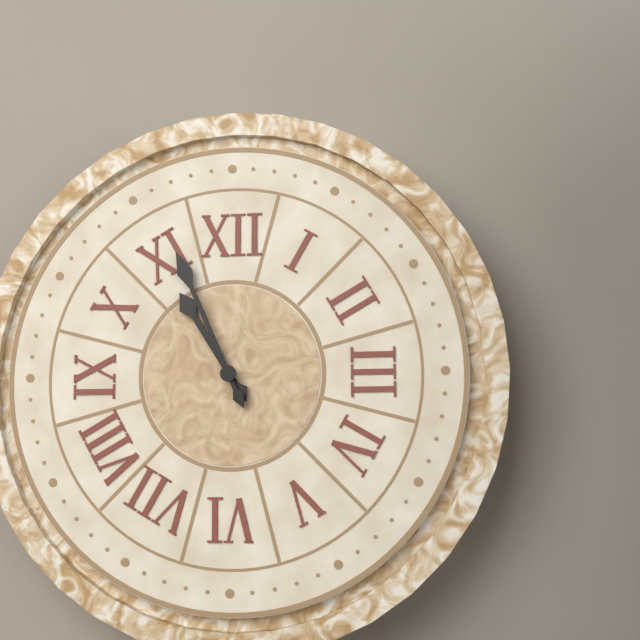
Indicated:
**10:56**
